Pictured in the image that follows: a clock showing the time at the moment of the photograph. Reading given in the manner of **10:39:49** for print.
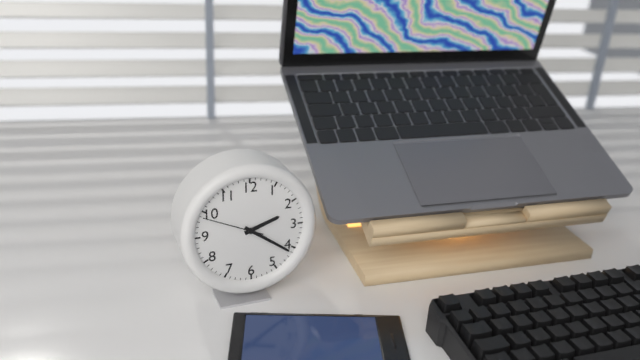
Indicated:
**2:21:49**
